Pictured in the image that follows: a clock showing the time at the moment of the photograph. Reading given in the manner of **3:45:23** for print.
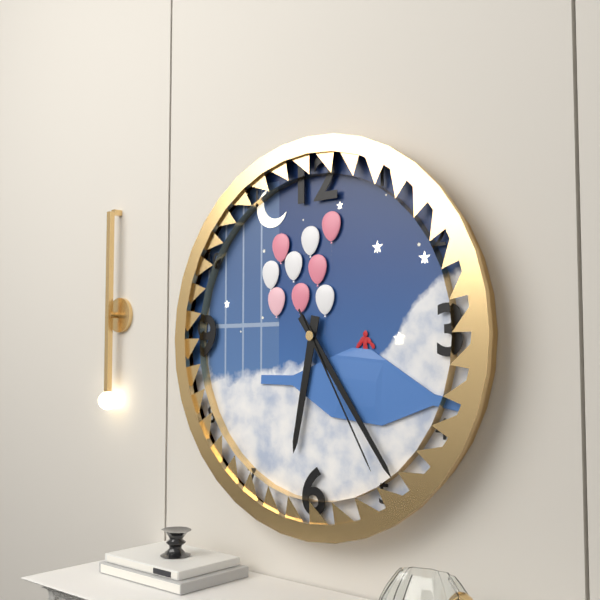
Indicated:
**6:24:25**
